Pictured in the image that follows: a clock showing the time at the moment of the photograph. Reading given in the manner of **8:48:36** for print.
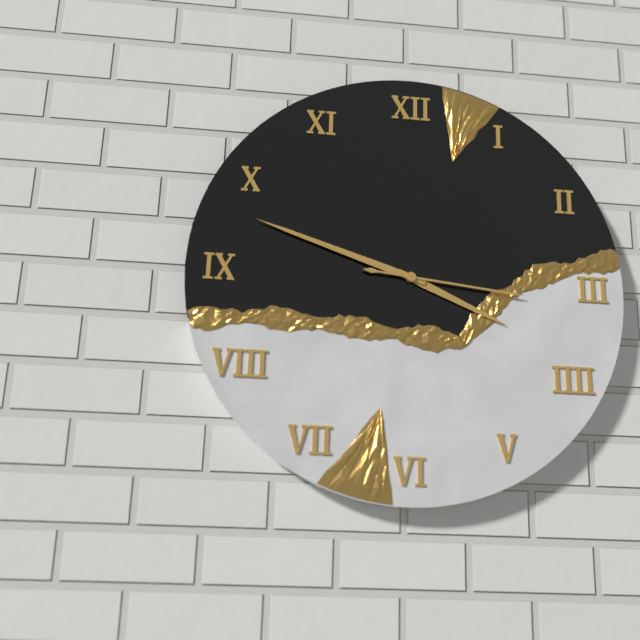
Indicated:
**3:48:16**
